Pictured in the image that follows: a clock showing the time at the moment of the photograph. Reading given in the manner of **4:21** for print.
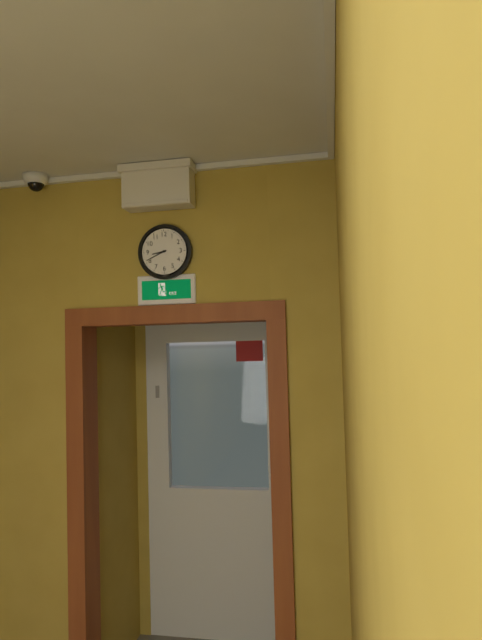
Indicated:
**8:41**
